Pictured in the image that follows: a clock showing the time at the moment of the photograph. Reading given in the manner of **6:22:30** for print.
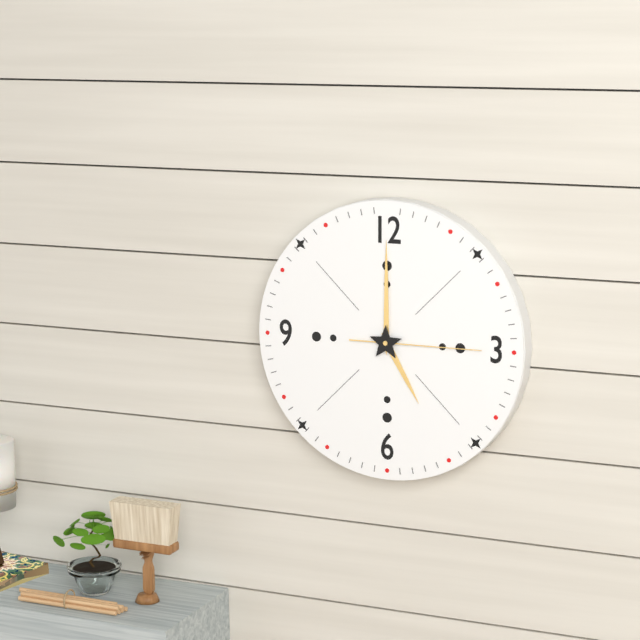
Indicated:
**5:00:15**
